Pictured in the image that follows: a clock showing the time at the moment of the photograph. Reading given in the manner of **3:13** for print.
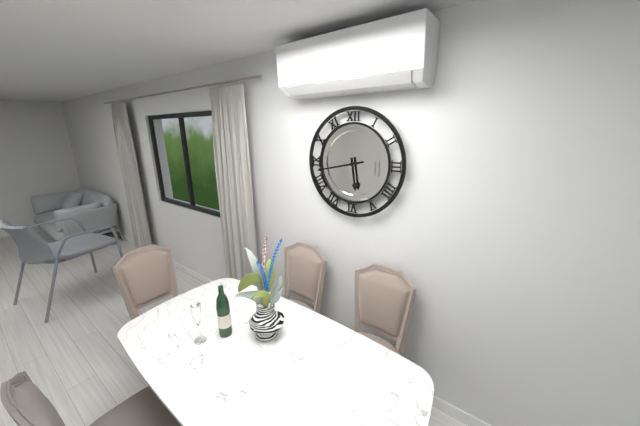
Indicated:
**5:43**
